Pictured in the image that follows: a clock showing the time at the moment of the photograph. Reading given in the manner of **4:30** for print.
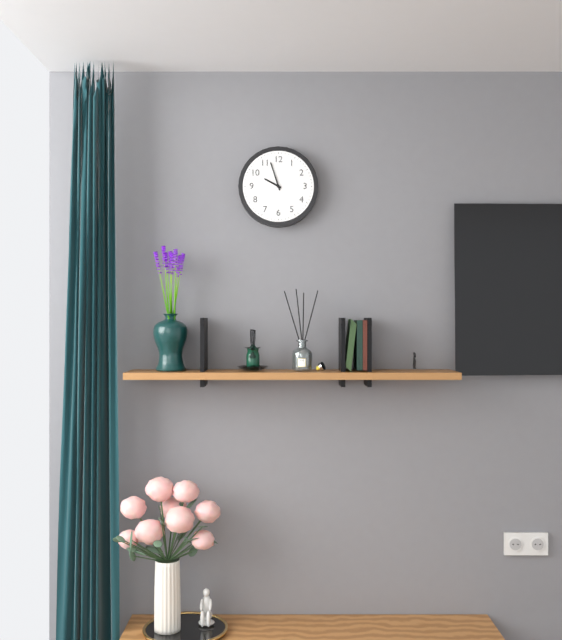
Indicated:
**9:57**
